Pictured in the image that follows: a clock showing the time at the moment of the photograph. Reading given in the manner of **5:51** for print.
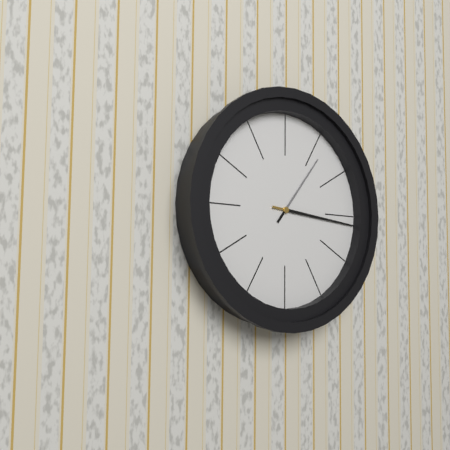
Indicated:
**1:16**
